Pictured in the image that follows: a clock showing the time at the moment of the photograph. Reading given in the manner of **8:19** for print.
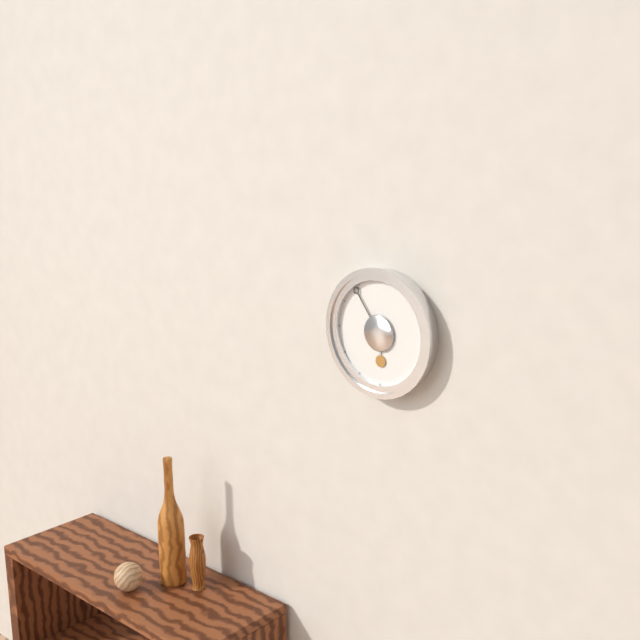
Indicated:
**5:54**
